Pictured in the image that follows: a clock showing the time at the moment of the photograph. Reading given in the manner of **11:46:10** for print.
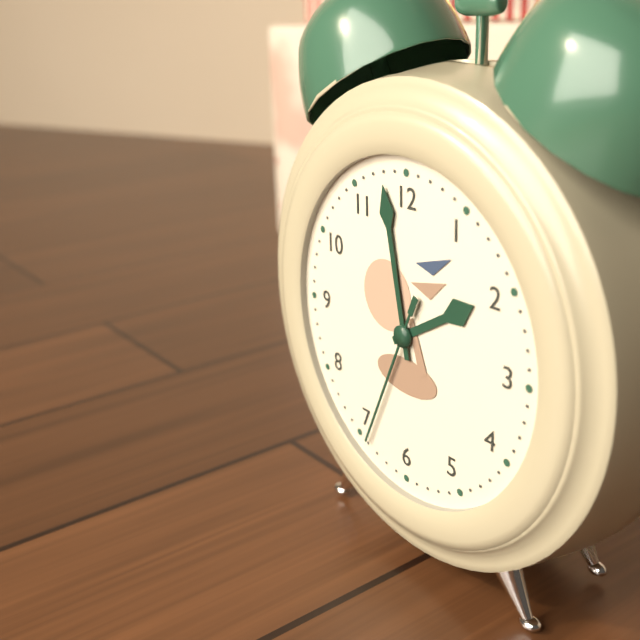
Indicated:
**1:58:34**
